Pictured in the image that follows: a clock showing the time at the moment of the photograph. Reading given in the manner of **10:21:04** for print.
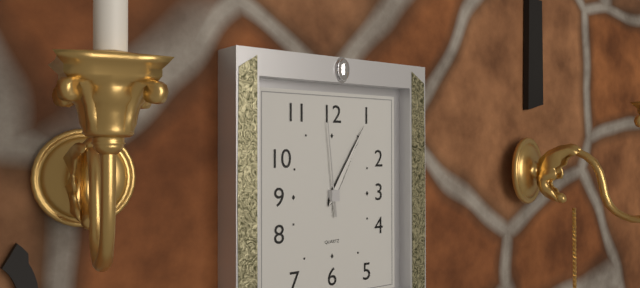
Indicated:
**1:05:59**
